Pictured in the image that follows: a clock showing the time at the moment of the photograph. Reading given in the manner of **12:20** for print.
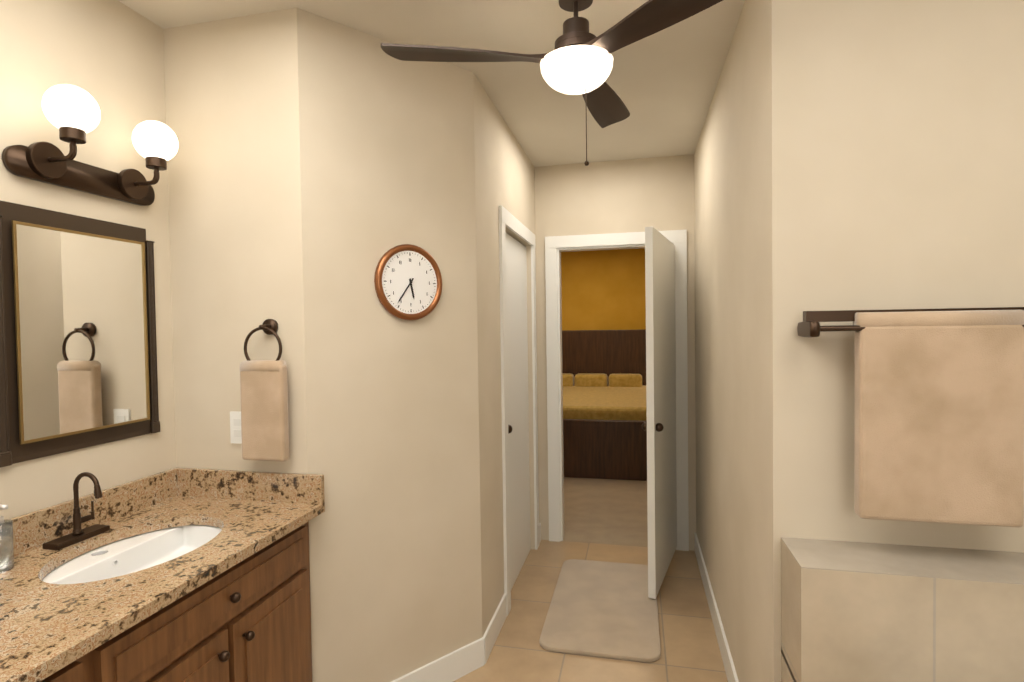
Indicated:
**5:36**
